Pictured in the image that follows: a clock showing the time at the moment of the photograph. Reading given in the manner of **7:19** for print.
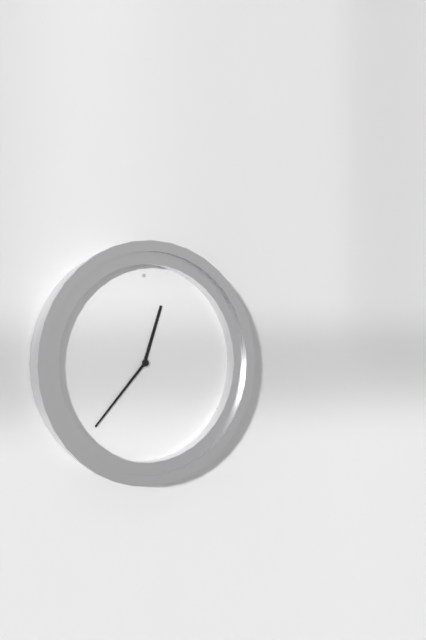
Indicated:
**12:37**
